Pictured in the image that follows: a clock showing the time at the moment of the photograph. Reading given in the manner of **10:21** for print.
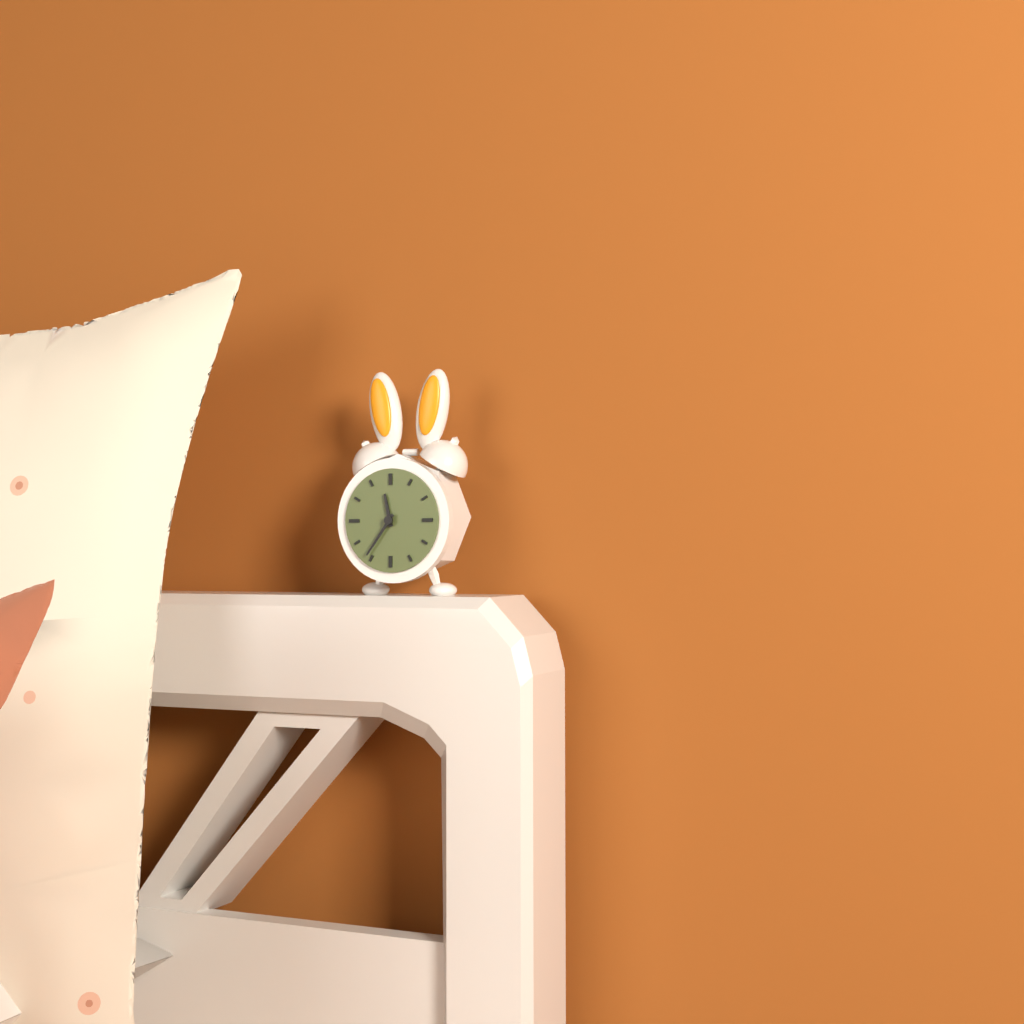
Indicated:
**11:36**
